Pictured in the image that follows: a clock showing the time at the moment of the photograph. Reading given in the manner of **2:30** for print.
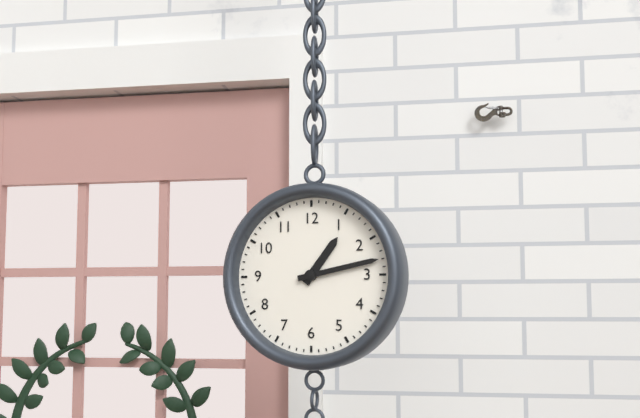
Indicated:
**1:13**
